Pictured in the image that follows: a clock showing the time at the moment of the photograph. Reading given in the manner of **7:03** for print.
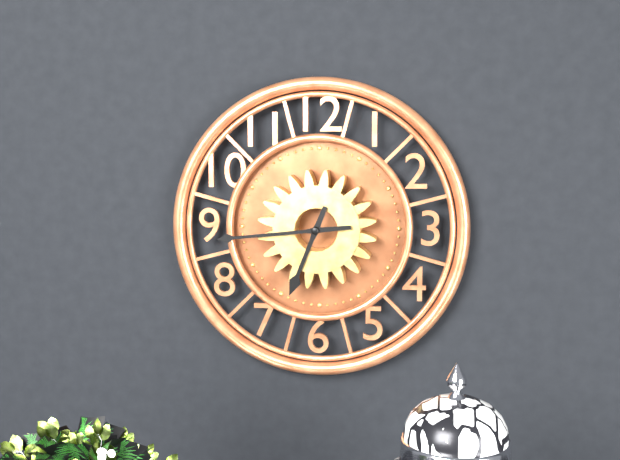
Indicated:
**6:44**
